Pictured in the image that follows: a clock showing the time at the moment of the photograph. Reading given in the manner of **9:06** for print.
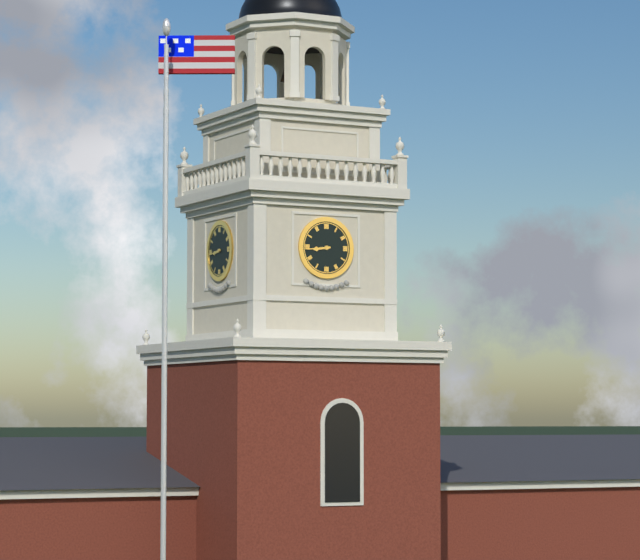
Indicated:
**8:44**
